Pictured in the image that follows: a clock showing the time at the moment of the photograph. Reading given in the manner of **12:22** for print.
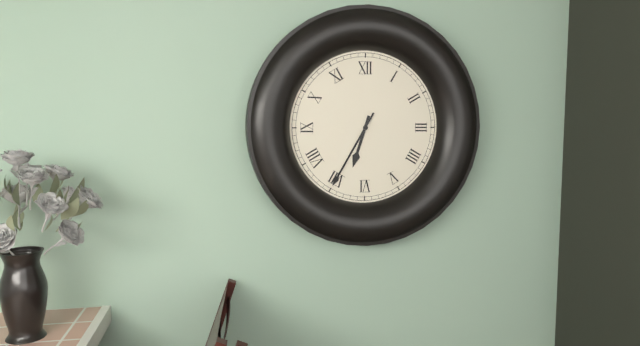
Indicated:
**6:35**
